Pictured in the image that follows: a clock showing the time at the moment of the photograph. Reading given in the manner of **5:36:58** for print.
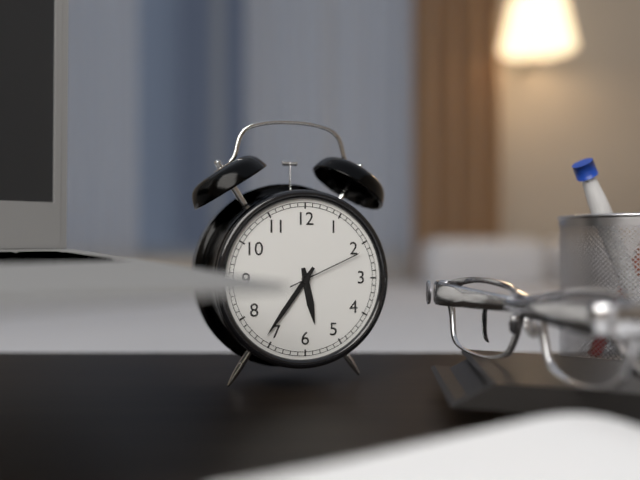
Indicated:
**5:36:11**
